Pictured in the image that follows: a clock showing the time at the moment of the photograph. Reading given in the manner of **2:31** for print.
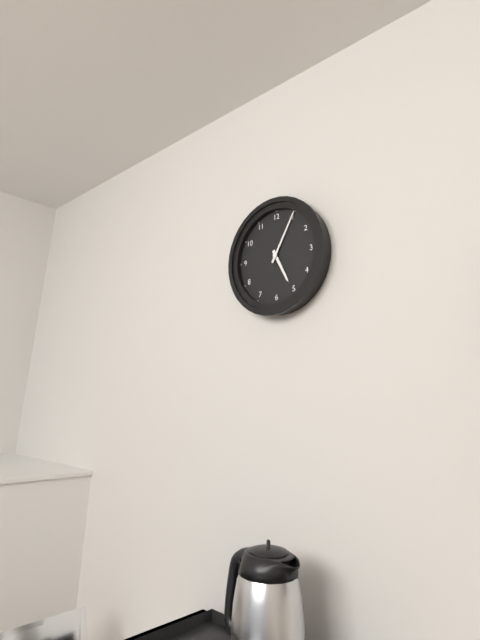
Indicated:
**5:05**
